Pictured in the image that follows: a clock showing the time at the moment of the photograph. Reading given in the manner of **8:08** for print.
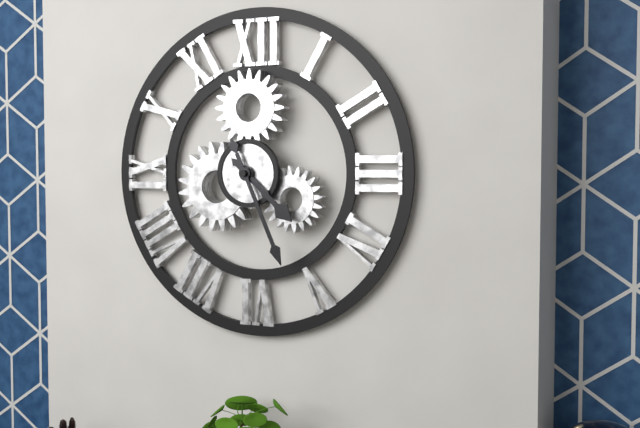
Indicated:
**4:26**
